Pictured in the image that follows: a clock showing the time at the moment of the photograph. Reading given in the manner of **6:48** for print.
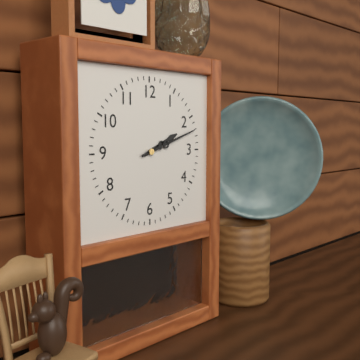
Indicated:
**2:12**
